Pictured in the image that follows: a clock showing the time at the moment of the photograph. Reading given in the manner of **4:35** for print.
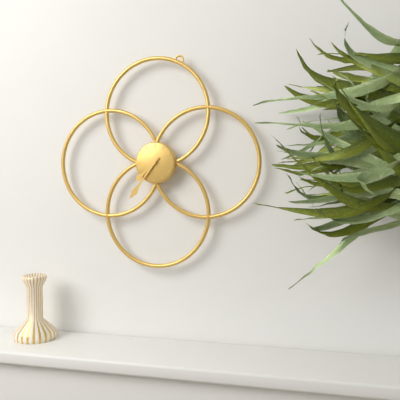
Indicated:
**7:36**
